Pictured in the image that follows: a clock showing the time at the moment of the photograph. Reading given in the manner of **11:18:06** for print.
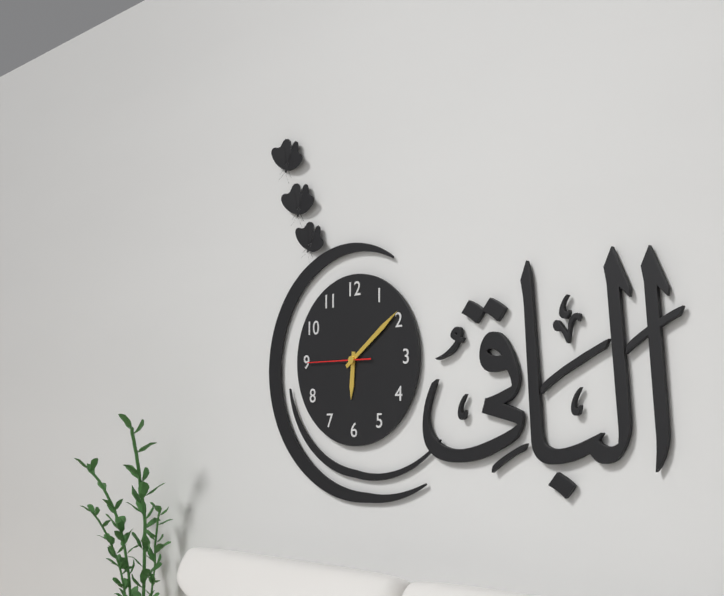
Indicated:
**6:09:45**
